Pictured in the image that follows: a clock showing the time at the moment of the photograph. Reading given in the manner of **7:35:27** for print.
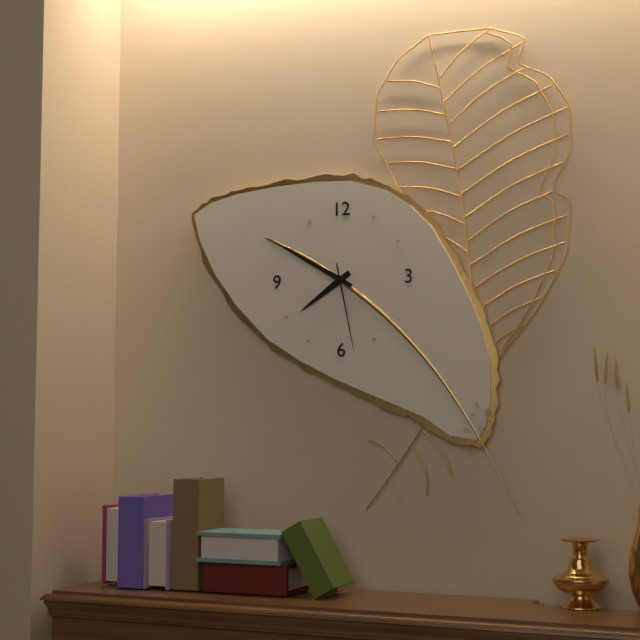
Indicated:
**7:50:28**
